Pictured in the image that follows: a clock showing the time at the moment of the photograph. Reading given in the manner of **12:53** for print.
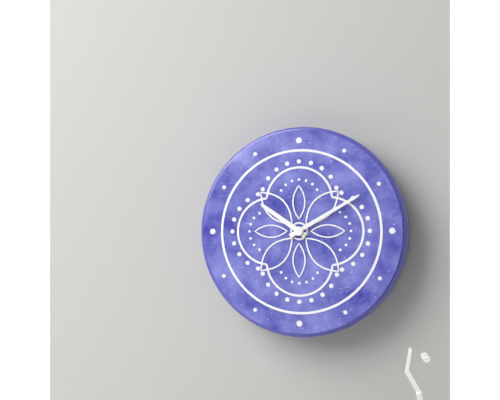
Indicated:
**10:10**
